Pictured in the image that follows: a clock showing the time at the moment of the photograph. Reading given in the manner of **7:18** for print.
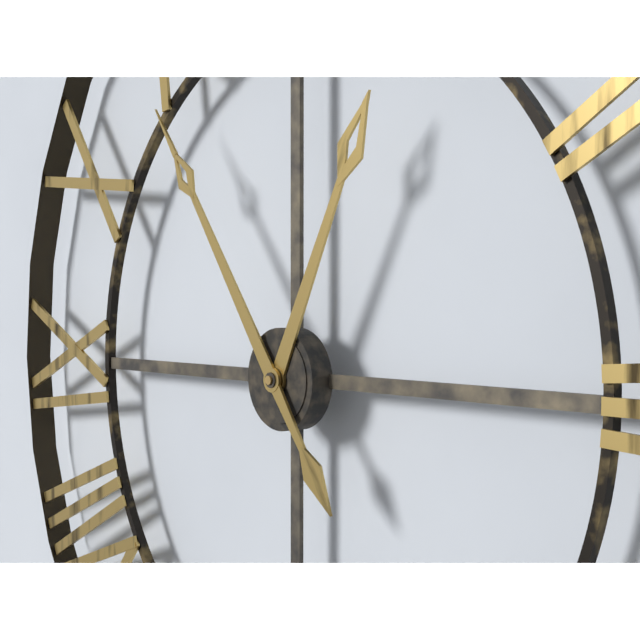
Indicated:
**12:54**
